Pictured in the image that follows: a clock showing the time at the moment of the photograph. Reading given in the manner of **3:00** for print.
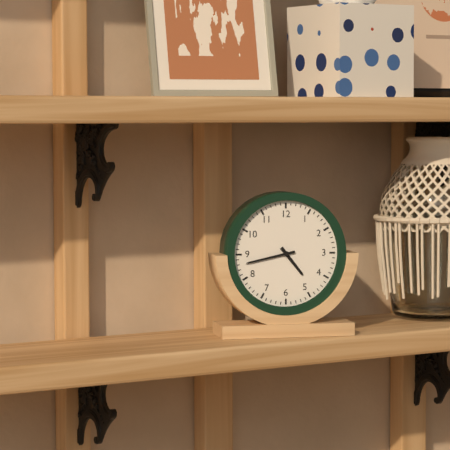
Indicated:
**4:43**
